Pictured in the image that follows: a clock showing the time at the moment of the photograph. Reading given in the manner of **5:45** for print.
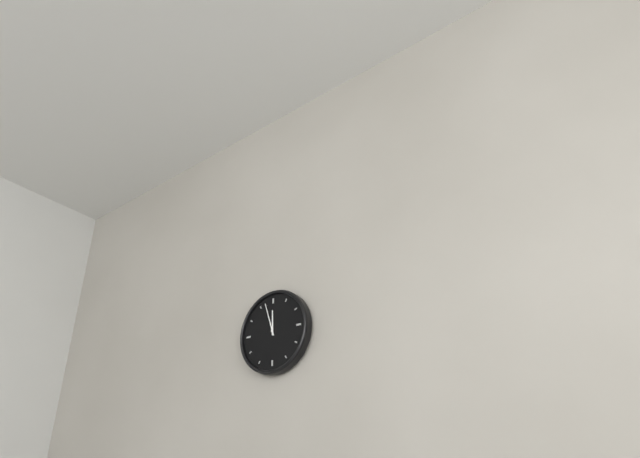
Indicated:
**11:57**
